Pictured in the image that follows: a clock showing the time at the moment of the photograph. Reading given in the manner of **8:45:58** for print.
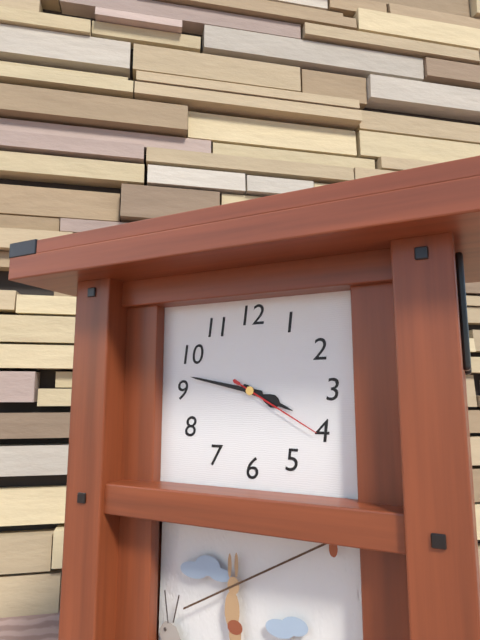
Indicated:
**3:47:20**
